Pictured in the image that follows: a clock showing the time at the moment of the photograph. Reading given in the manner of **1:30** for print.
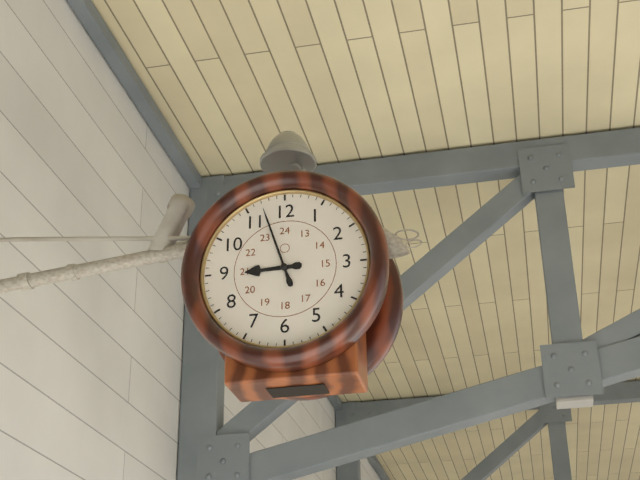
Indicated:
**8:57**
